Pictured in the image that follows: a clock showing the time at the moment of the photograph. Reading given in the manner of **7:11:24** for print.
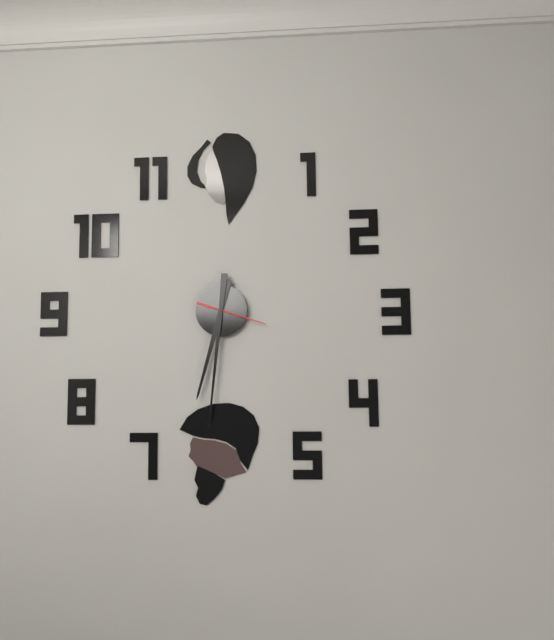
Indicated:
**6:31:18**
